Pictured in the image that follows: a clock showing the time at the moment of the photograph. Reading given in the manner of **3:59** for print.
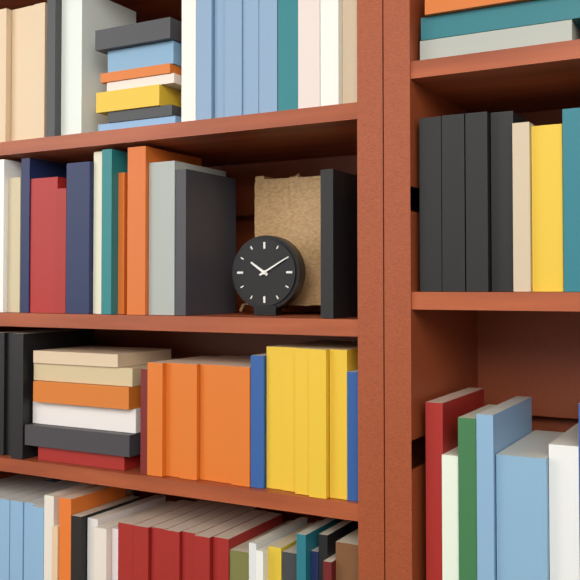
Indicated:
**10:10**
